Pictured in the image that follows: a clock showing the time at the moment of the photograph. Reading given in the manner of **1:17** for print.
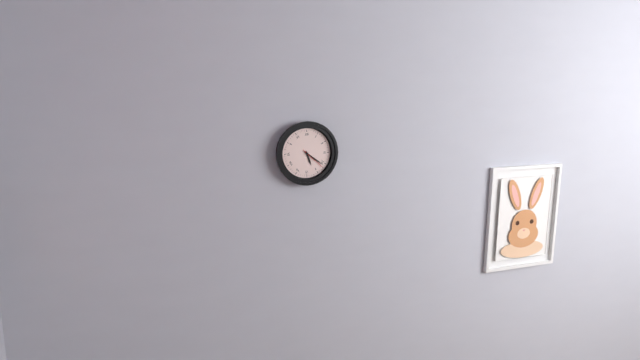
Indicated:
**5:21**
